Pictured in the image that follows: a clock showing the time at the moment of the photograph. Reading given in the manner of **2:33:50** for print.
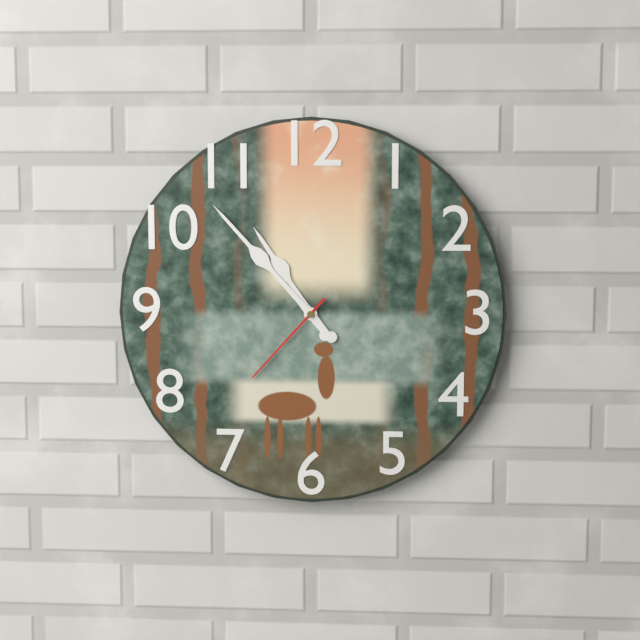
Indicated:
**10:53:37**
